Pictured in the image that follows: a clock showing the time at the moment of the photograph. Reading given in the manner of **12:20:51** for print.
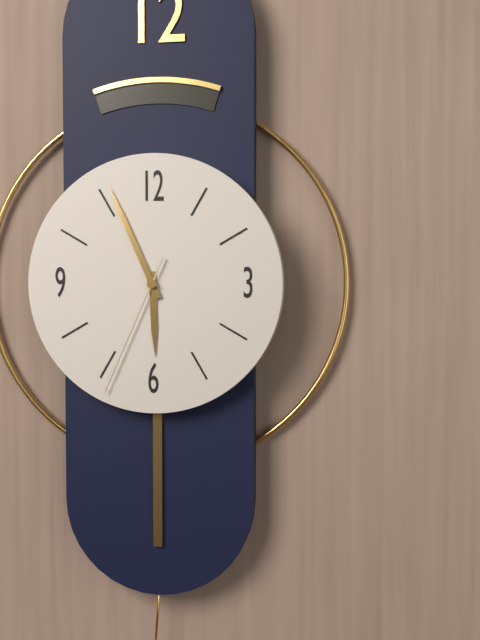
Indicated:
**5:56:34**
